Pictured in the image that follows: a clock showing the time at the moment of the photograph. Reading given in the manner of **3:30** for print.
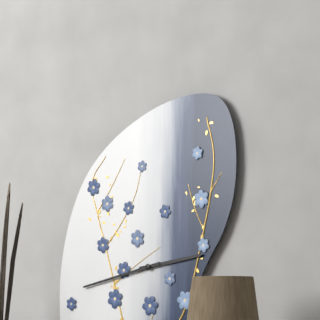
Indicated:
**2:43**
